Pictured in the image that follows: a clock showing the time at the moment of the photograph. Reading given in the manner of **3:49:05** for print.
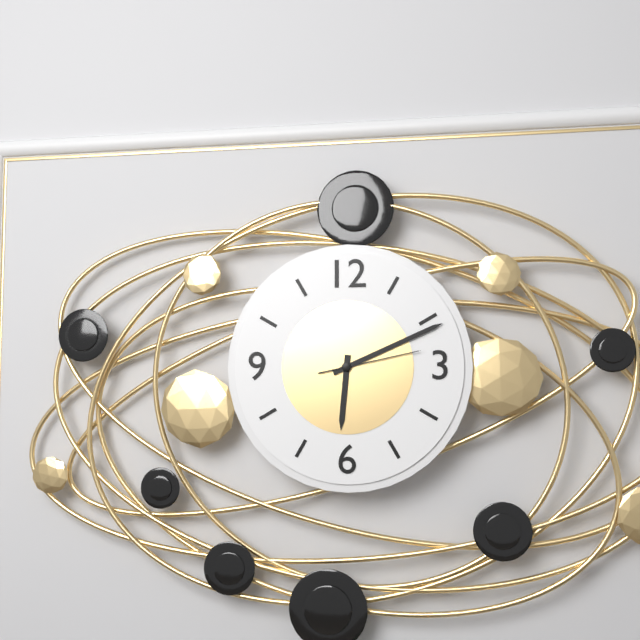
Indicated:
**6:11:13**
